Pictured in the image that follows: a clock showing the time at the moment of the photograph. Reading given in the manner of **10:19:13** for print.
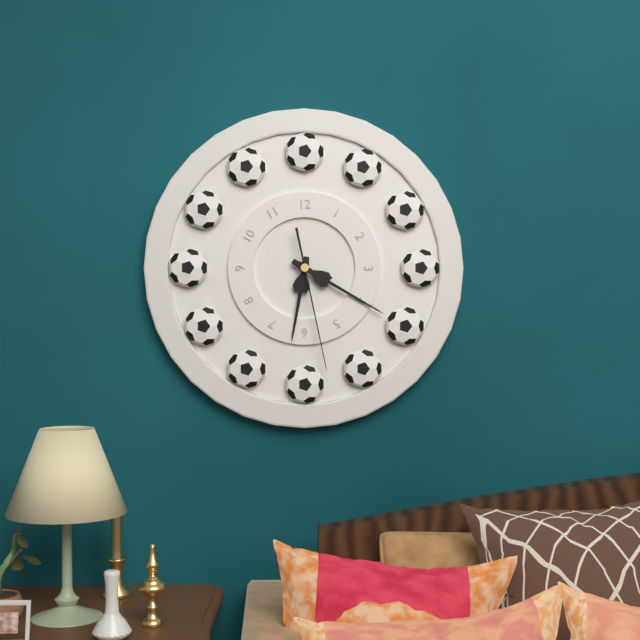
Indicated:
**6:20:28**
